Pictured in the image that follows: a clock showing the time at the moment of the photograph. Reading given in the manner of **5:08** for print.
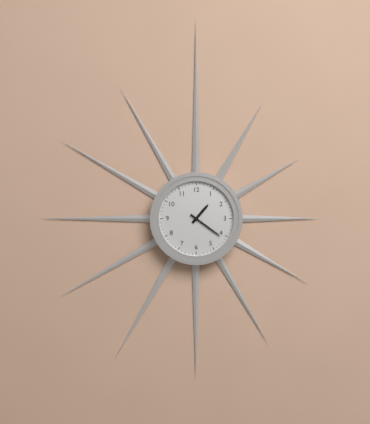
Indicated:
**1:21**
